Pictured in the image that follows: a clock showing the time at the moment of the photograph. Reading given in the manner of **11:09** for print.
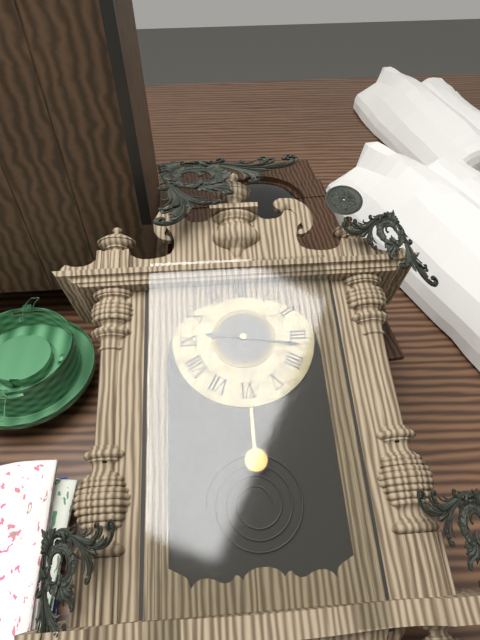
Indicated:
**9:17**
